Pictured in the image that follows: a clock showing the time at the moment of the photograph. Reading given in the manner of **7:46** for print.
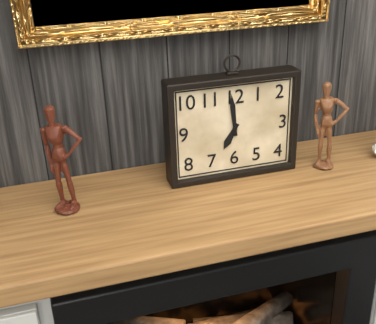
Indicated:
**6:59**
